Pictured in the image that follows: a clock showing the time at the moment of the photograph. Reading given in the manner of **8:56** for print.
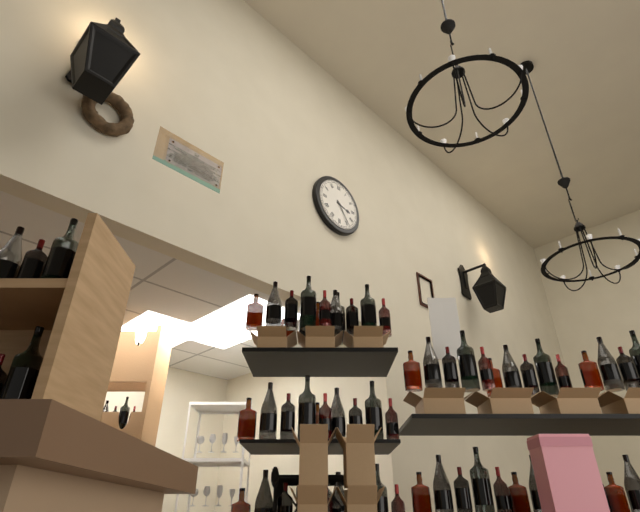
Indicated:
**3:24**
